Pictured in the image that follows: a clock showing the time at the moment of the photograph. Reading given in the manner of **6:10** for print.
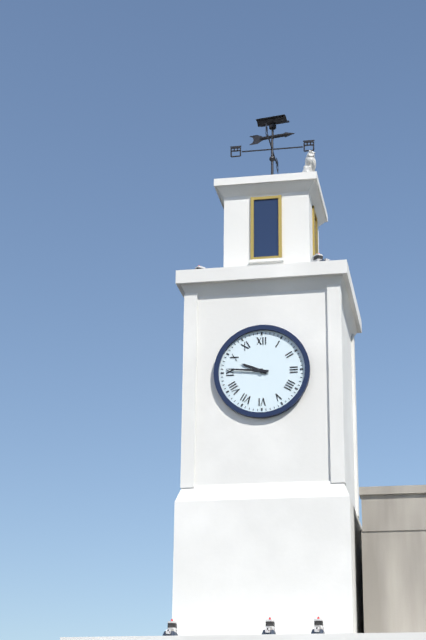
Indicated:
**9:46**
